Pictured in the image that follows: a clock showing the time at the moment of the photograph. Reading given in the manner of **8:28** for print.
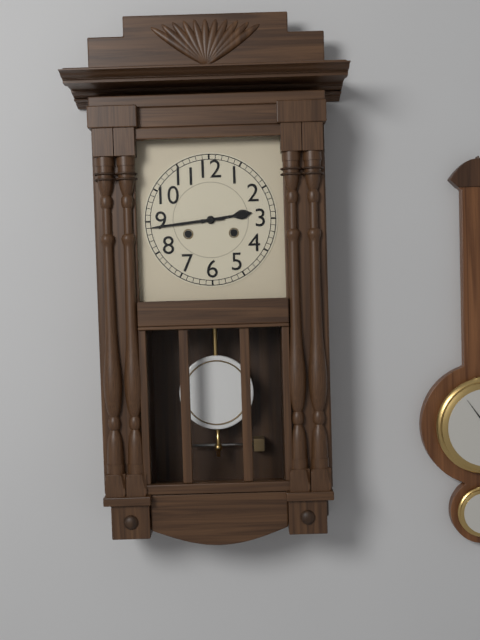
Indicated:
**2:44**
